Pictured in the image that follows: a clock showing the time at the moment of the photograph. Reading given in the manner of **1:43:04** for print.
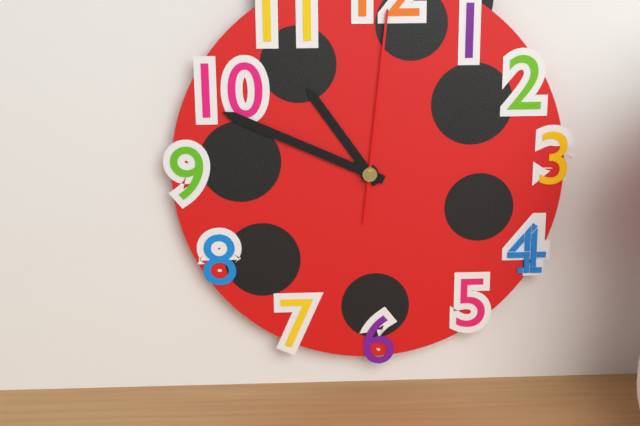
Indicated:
**10:49:01**
